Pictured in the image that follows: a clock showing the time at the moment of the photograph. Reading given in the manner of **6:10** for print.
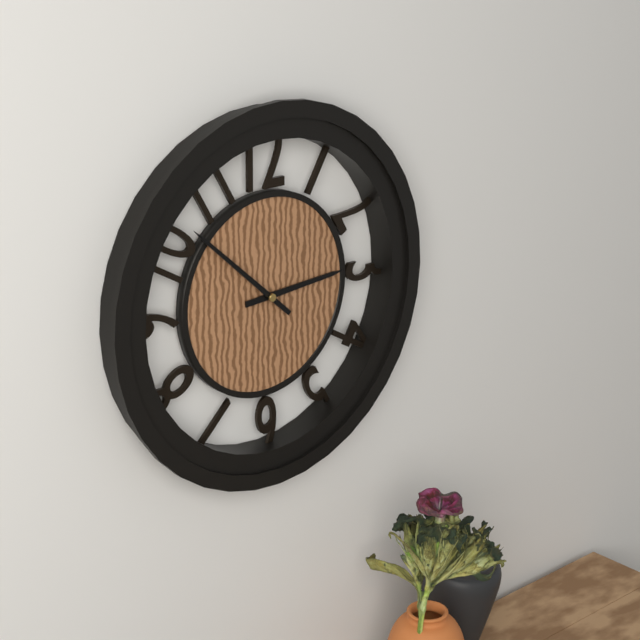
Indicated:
**2:52**
